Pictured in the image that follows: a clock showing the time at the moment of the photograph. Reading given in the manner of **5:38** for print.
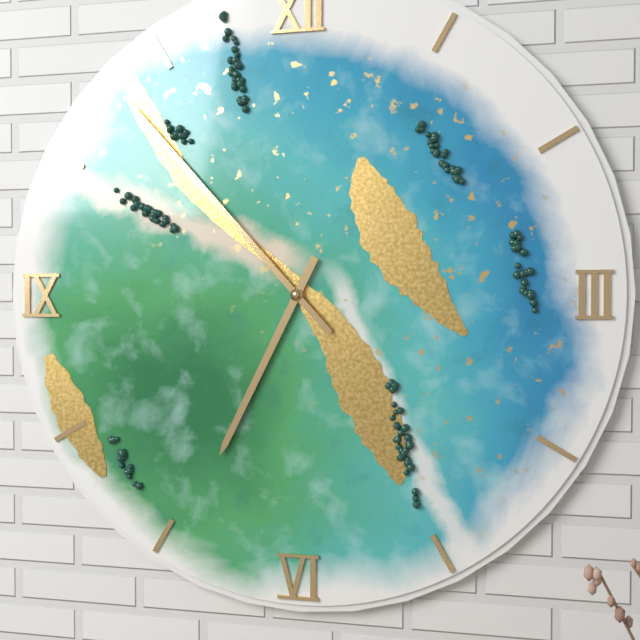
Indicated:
**6:53**
